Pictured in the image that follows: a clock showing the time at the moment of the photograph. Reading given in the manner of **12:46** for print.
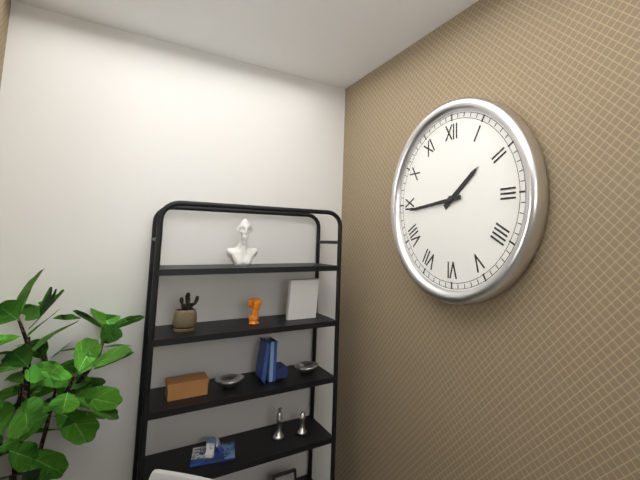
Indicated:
**1:44**
